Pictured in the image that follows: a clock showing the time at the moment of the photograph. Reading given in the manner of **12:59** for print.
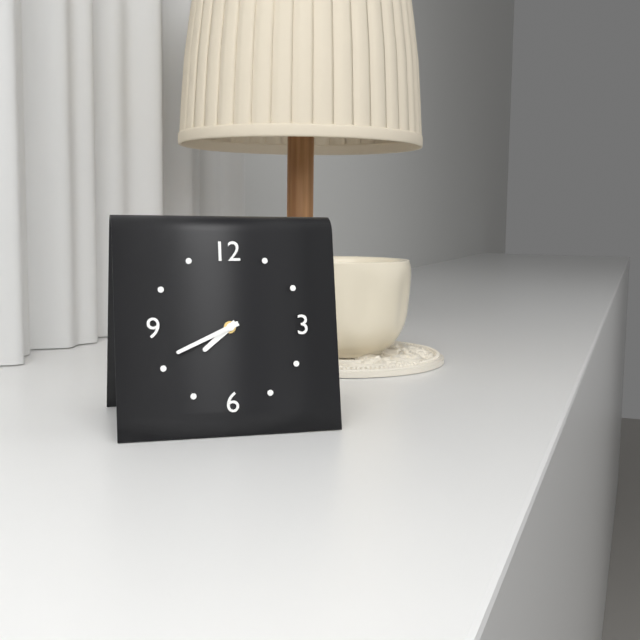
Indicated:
**7:41**
